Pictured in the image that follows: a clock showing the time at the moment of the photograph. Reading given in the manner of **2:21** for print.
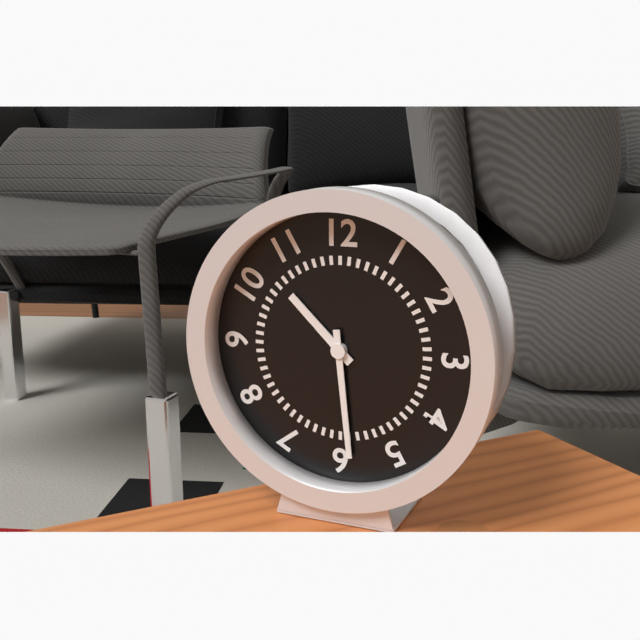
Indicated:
**10:29**
